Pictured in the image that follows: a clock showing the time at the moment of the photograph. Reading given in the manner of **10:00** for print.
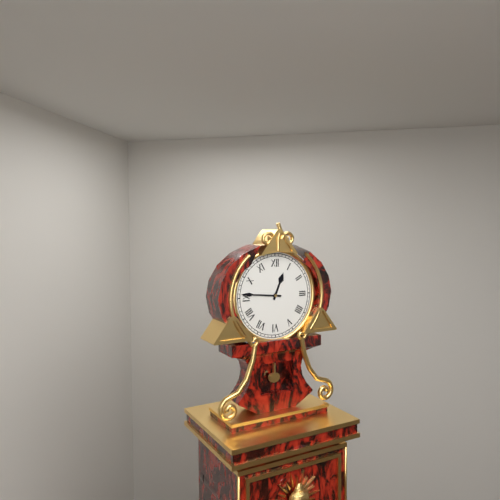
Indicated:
**12:46**
